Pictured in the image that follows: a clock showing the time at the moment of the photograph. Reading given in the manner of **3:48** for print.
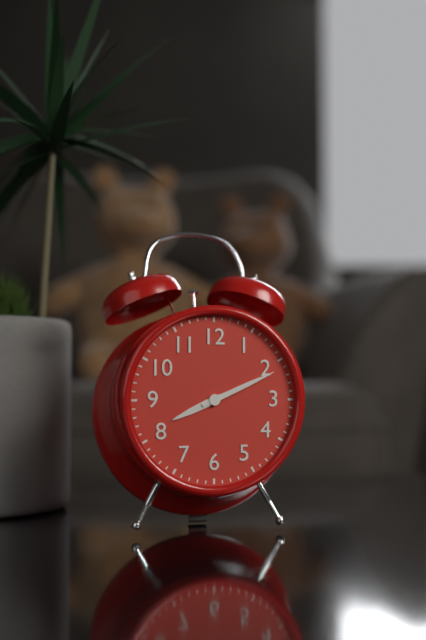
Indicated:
**8:11**
